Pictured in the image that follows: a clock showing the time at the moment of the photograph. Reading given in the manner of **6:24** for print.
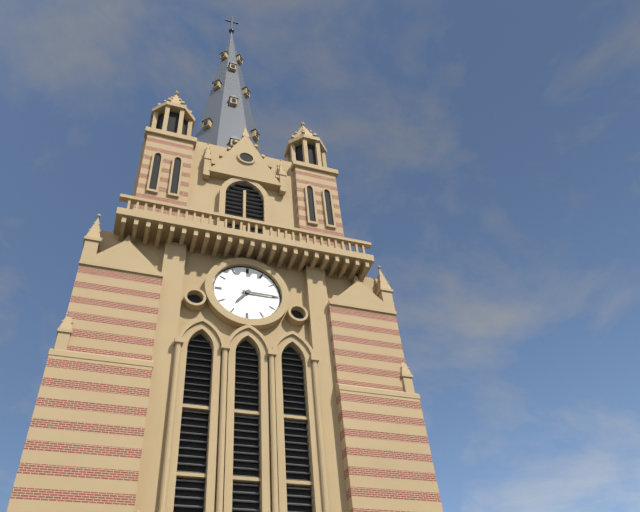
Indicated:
**7:15**
